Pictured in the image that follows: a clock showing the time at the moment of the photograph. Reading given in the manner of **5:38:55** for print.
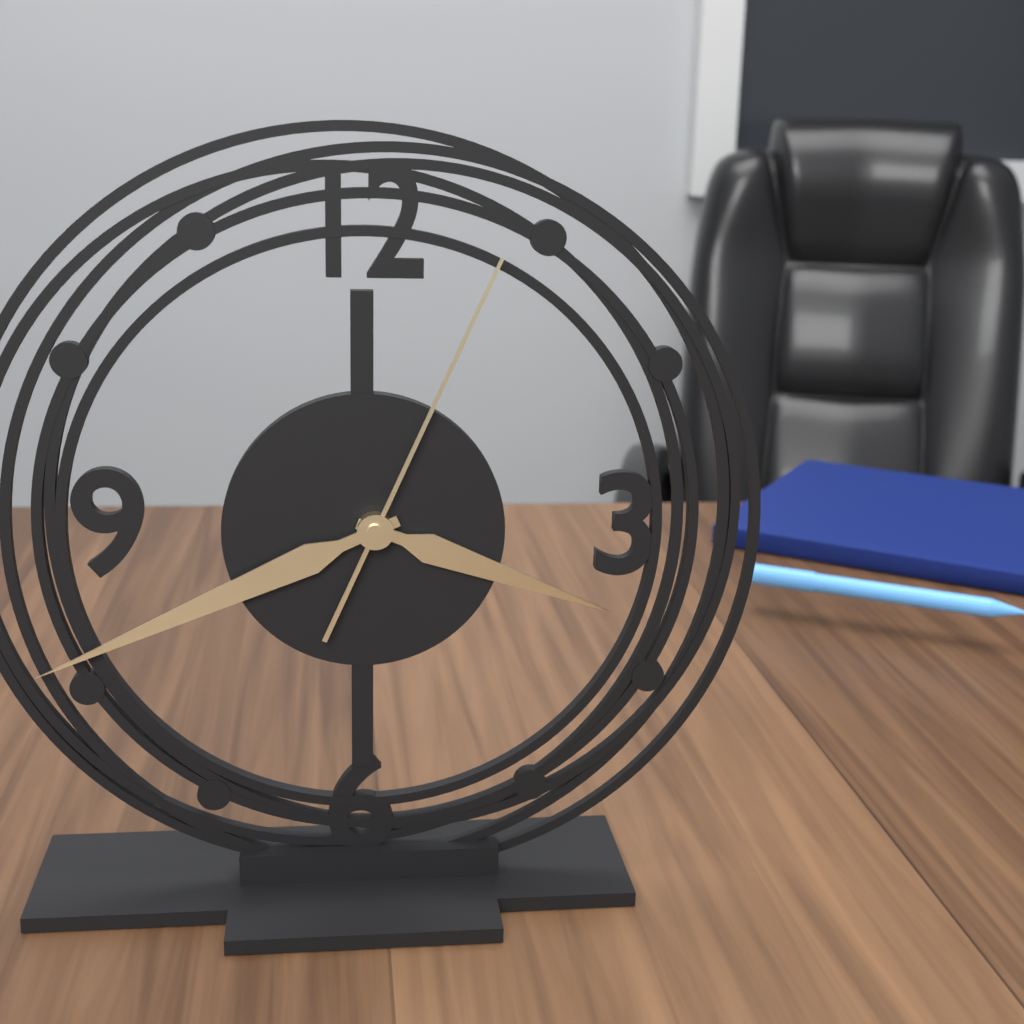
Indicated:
**3:41:04**
